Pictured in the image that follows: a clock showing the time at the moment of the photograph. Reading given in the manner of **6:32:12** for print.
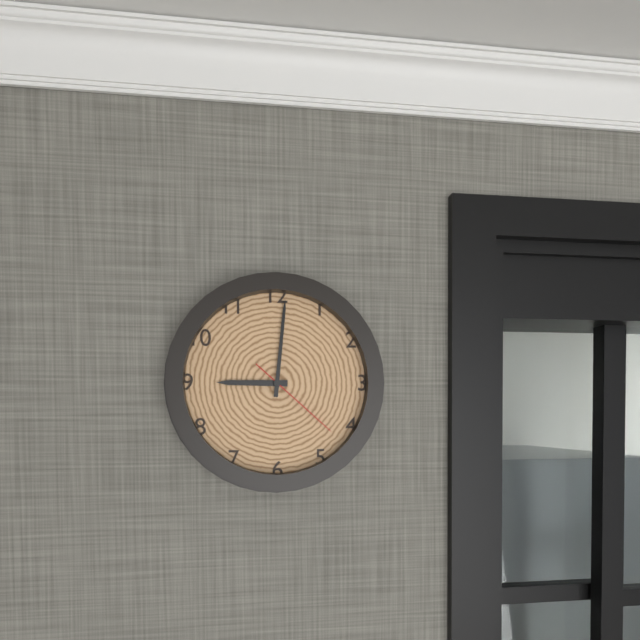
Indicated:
**9:01:22**
